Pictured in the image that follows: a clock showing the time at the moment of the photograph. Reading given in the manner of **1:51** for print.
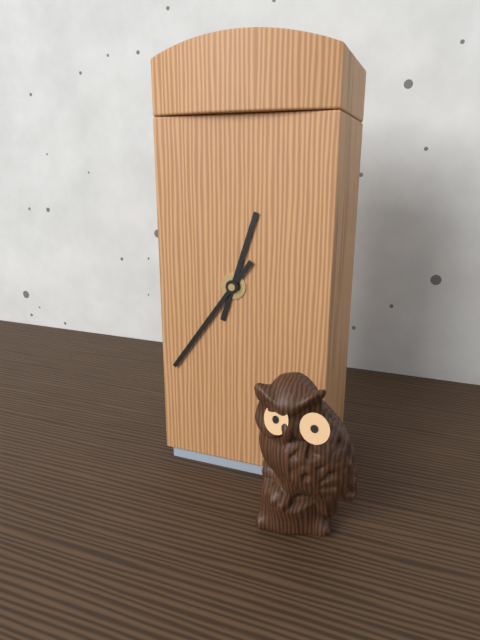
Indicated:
**12:36**
